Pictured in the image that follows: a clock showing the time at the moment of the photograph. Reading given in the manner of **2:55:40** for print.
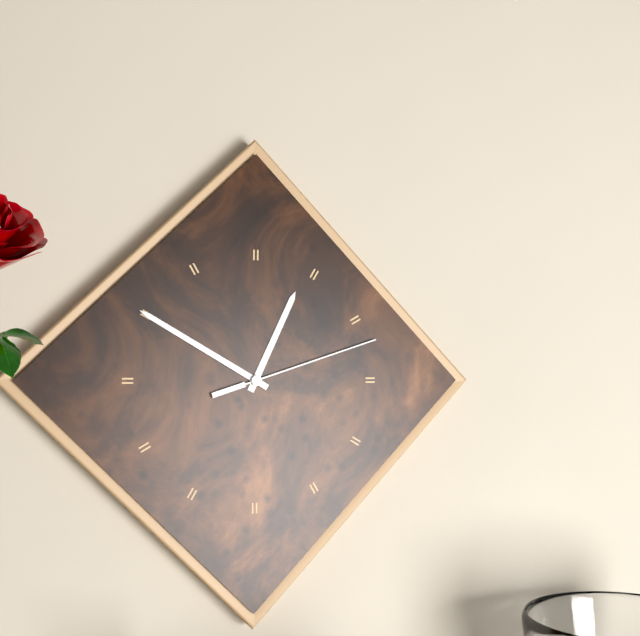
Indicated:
**12:50:12**
